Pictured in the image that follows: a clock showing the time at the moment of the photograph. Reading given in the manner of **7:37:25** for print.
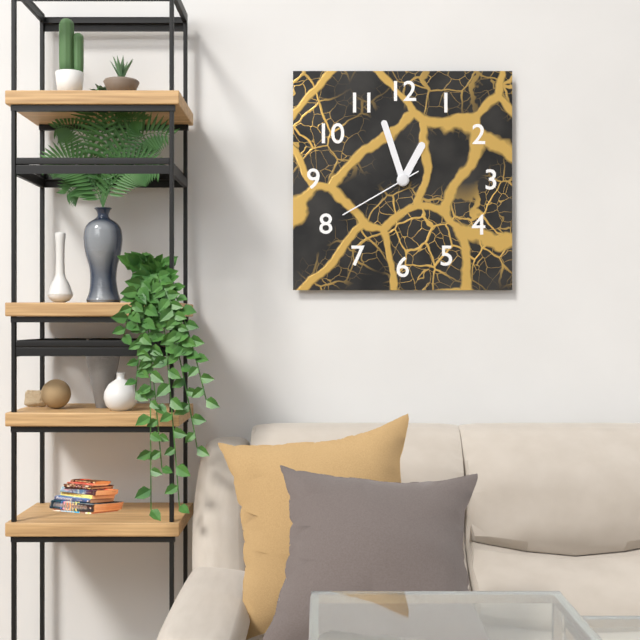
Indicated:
**12:57:40**
